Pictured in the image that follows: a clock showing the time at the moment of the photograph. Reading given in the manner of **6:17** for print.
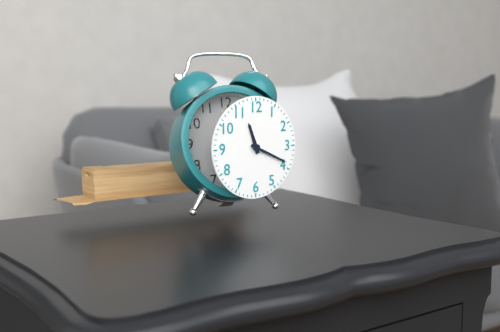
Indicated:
**11:19**
